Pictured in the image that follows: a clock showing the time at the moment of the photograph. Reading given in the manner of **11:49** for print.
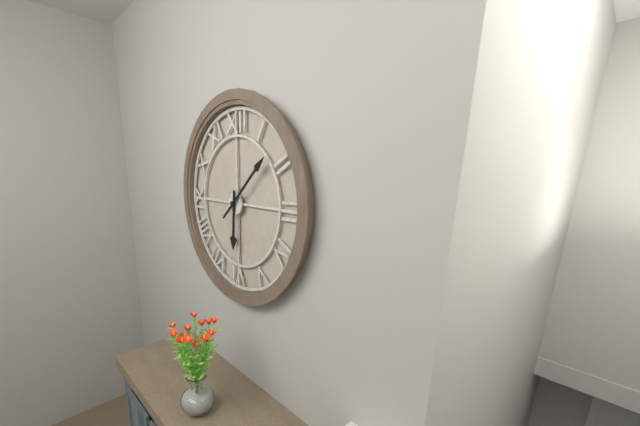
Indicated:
**6:08**
